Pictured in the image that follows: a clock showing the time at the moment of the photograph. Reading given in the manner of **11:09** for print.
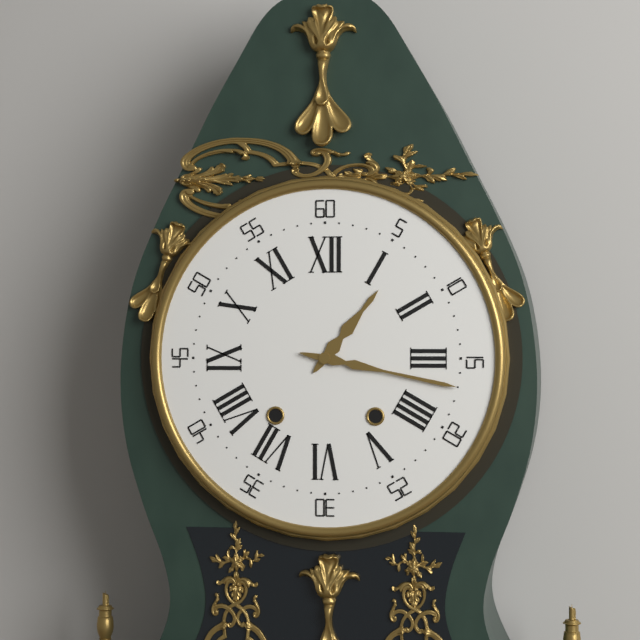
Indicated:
**1:17**
